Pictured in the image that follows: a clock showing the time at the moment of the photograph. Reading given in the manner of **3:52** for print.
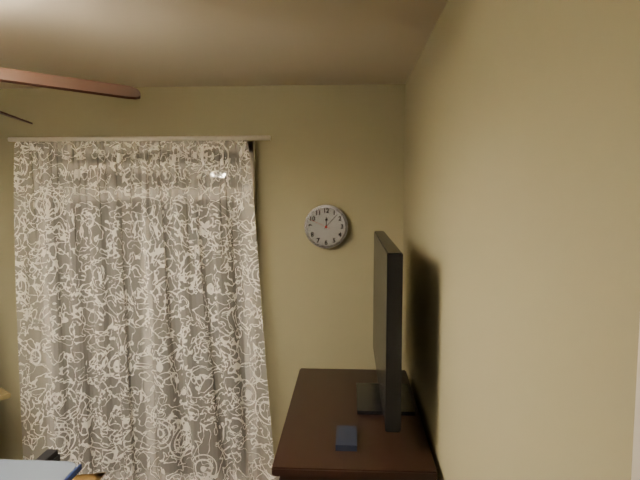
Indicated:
**12:07**
